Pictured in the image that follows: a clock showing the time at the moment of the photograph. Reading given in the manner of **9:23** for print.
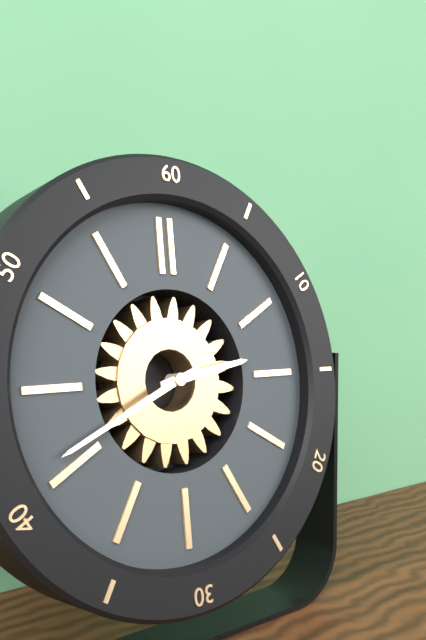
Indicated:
**2:41**
